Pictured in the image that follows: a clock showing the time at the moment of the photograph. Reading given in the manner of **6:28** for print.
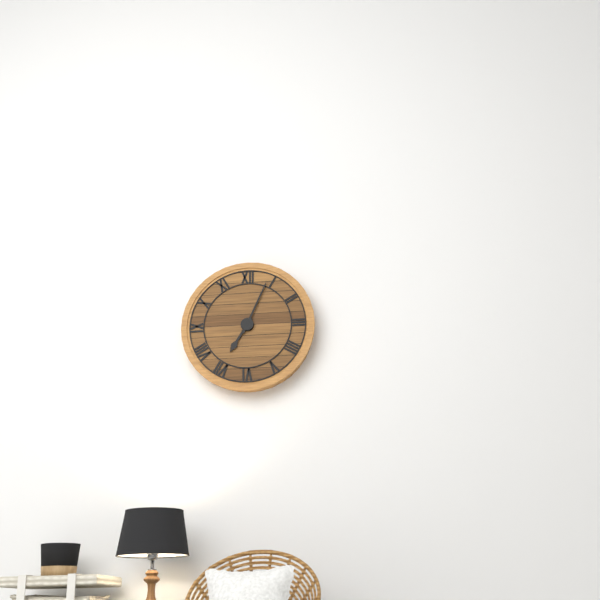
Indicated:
**7:04**
